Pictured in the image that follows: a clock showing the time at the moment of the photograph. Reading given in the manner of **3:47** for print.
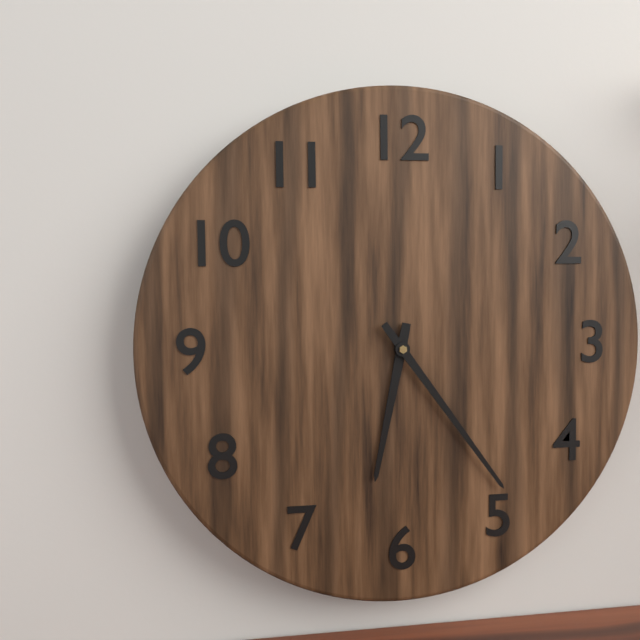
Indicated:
**6:24**
